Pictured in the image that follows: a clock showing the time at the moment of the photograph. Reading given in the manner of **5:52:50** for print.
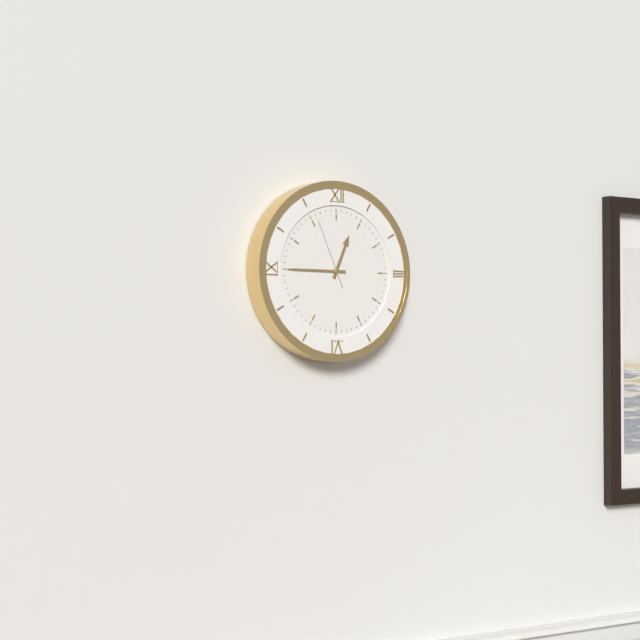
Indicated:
**12:45:56**
